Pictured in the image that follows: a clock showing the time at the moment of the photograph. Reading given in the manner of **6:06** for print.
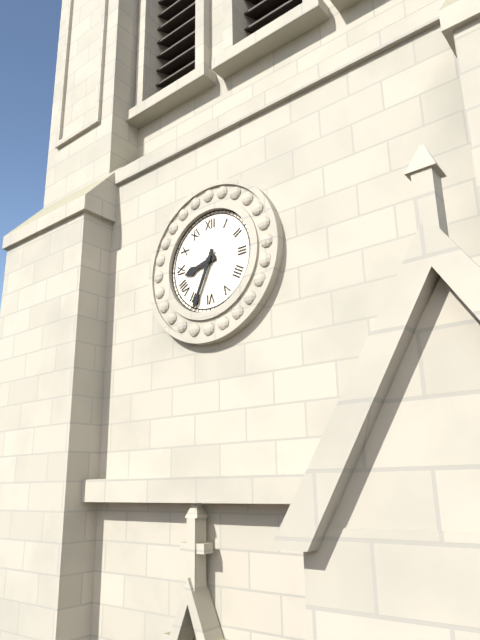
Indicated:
**8:34**
